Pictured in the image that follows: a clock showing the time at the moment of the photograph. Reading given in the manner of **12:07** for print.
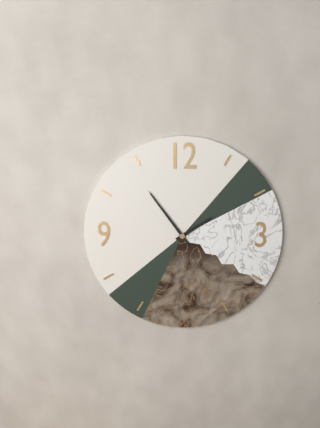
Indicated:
**1:54**
